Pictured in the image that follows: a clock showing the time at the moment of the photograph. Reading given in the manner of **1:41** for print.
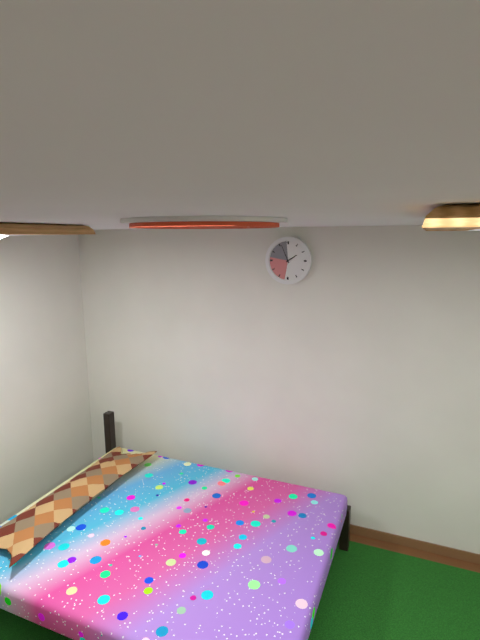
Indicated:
**1:56**
